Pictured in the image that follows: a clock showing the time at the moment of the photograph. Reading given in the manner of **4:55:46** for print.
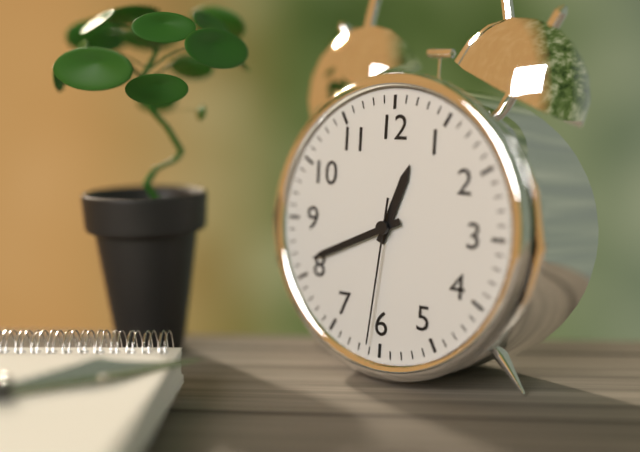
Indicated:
**12:41:31**
